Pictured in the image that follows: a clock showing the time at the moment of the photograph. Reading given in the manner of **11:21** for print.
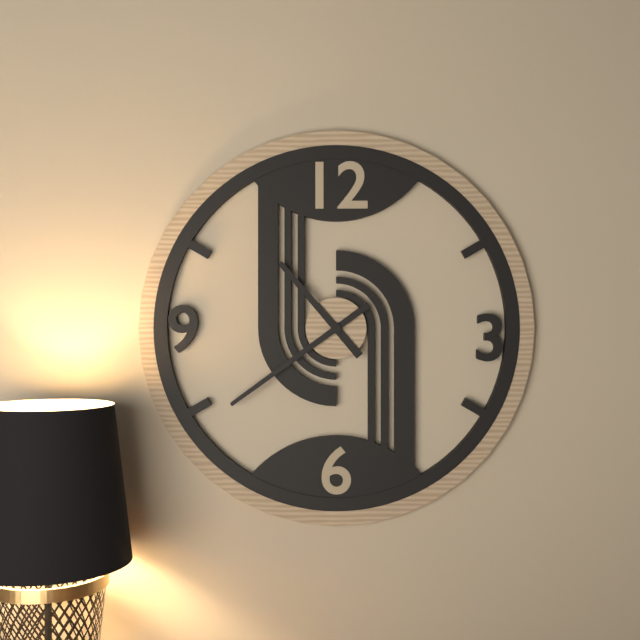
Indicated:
**10:39**
